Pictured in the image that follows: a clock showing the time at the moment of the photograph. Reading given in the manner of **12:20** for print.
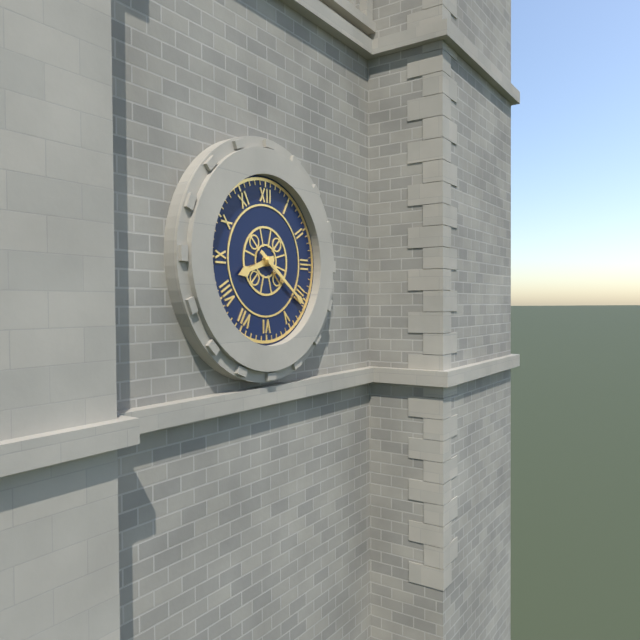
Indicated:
**8:21**
